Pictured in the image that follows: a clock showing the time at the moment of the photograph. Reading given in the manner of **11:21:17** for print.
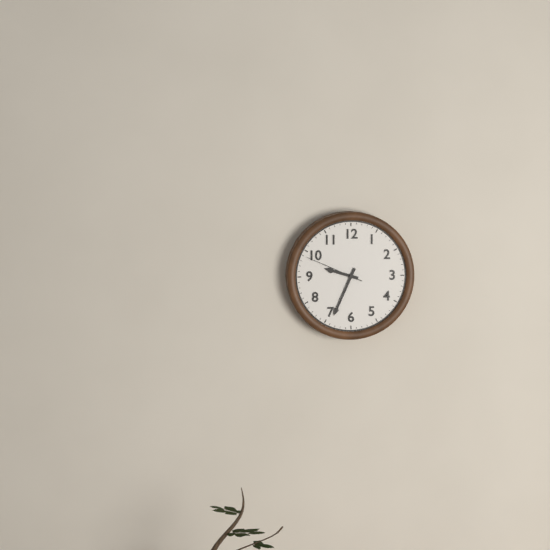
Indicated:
**9:34:49**
